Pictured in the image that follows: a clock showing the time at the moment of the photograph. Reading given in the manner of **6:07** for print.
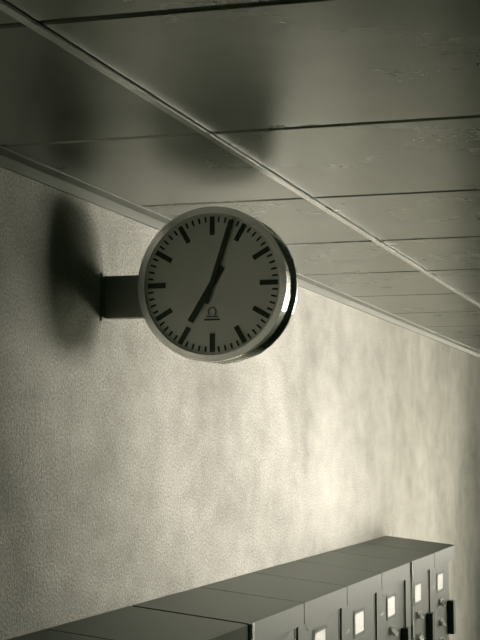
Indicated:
**7:03**
